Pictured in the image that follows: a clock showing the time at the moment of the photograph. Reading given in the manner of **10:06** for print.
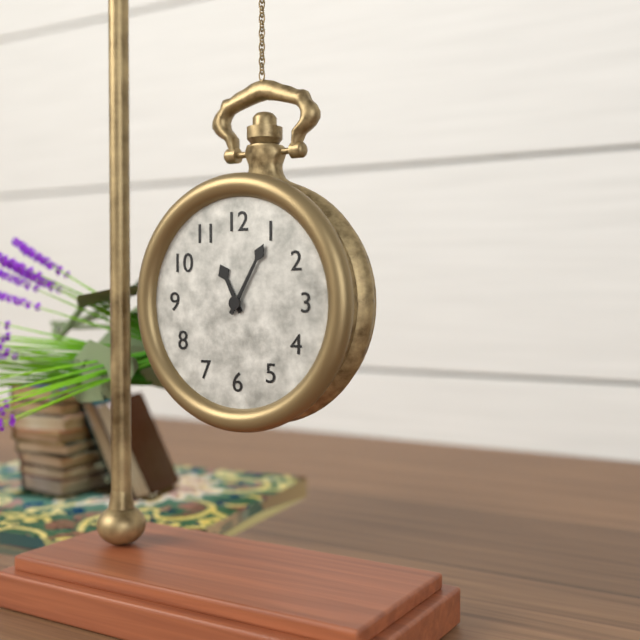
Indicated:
**11:05**
